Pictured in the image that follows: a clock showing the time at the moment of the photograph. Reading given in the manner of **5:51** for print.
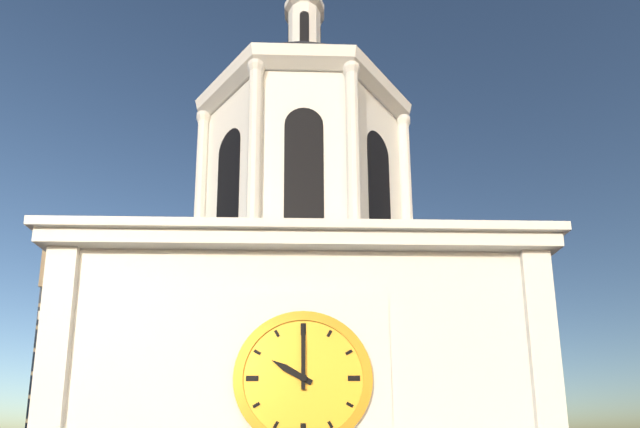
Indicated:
**10:00**
